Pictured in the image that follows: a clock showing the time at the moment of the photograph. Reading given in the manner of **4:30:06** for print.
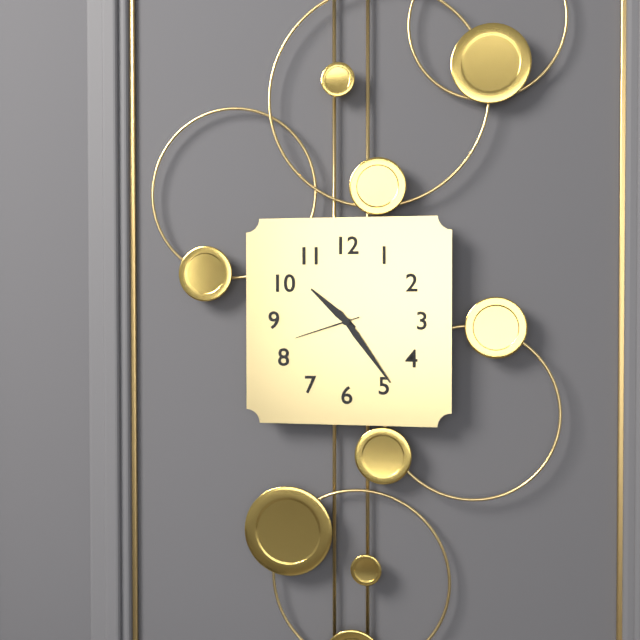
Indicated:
**10:24:42**
